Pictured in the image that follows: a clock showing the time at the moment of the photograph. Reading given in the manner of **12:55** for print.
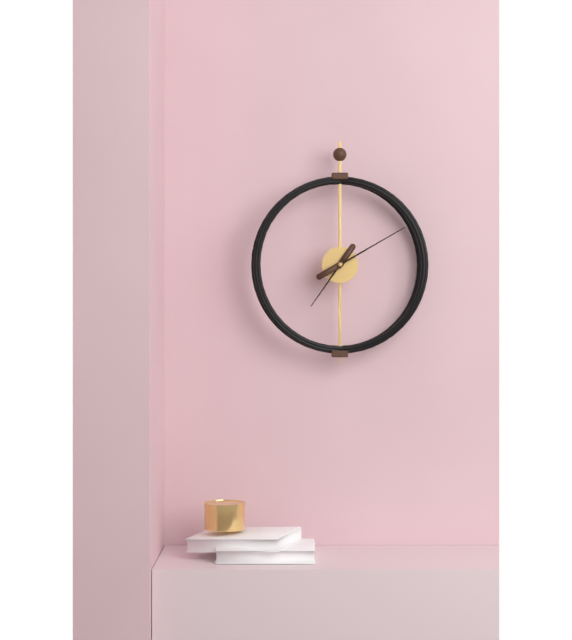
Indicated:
**7:10**
